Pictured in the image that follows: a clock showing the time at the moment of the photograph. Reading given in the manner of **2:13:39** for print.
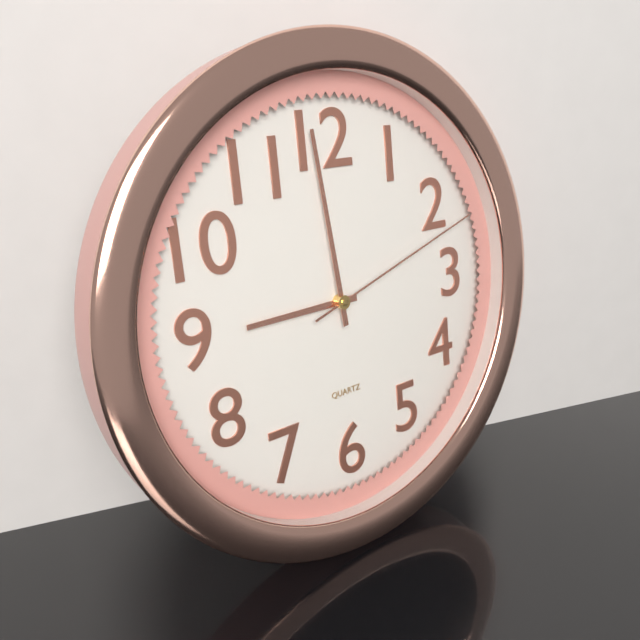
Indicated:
**8:59:12**
